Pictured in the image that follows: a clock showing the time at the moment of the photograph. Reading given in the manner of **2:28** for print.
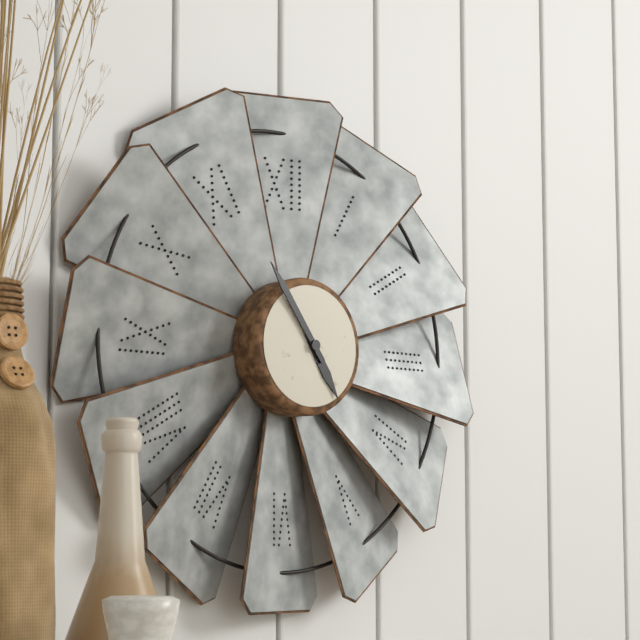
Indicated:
**4:54**
